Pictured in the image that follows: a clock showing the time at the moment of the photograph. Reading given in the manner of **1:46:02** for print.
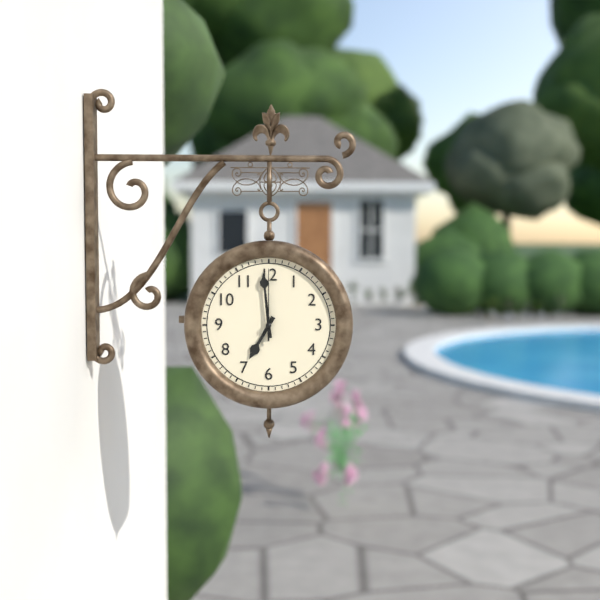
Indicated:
**6:59:00**
